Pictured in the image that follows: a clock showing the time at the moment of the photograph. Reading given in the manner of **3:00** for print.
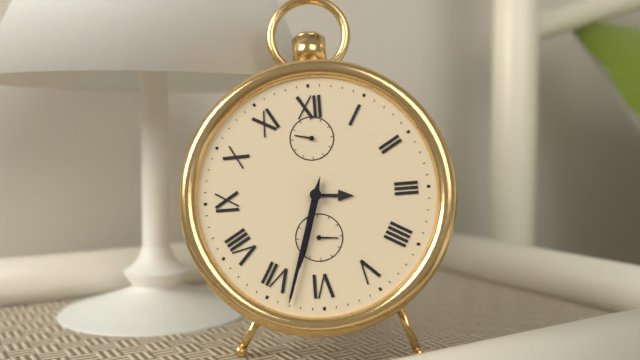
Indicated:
**6:33**
